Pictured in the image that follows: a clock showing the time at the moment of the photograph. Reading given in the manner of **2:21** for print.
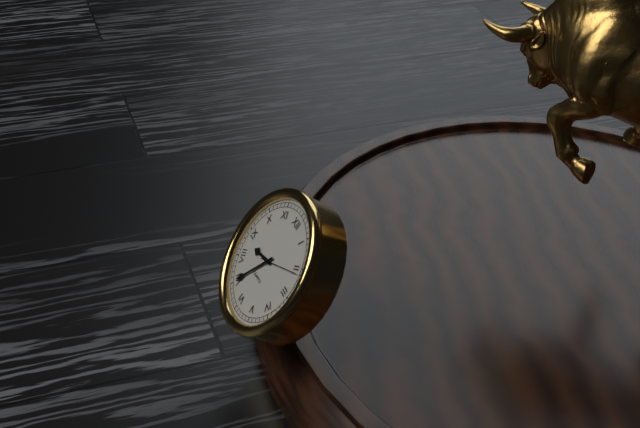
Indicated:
**8:35**
